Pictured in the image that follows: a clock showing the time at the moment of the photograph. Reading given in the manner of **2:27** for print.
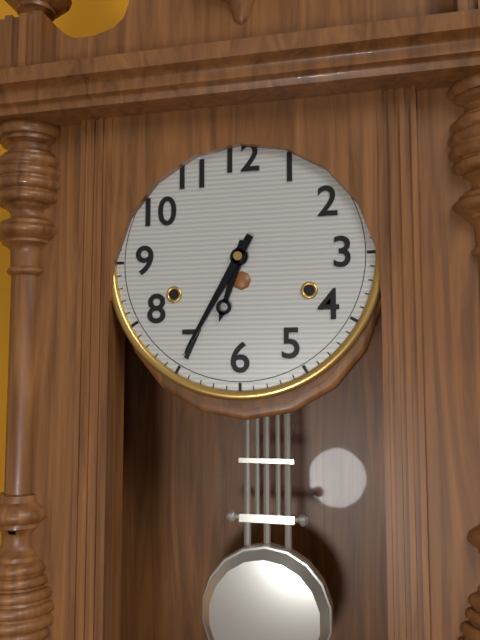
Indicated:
**6:35**
